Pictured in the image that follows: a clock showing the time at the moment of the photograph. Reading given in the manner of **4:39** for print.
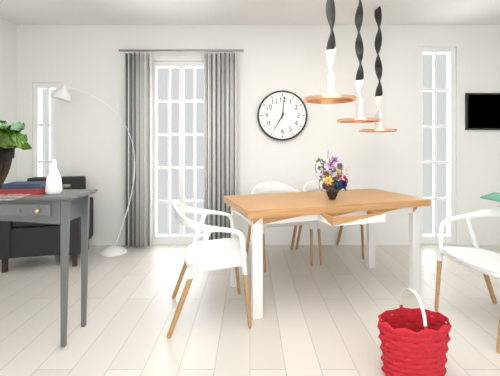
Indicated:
**7:01**
